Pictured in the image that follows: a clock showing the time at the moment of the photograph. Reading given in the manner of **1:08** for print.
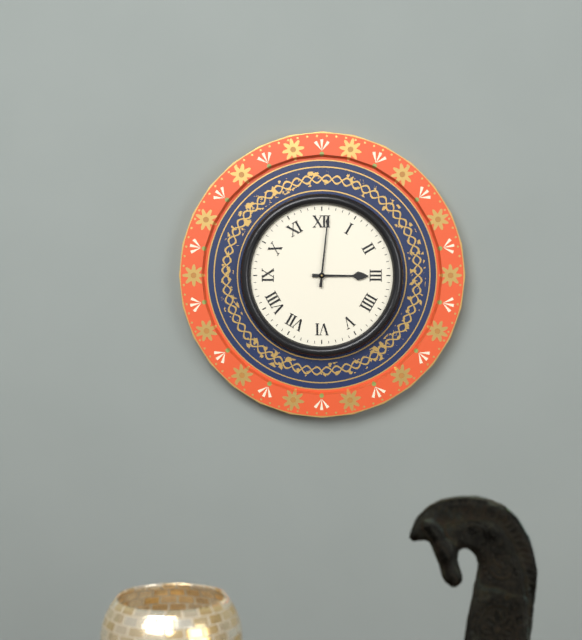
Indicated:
**3:01**
